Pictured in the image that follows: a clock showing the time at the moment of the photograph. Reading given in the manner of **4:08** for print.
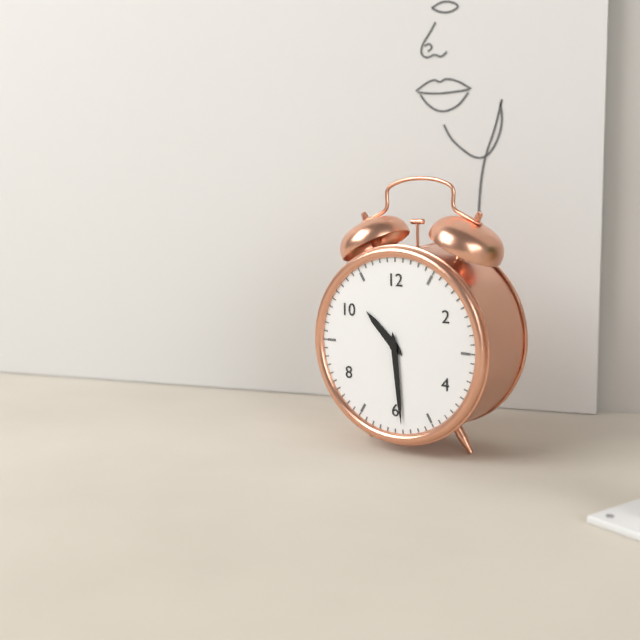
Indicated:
**10:29**
